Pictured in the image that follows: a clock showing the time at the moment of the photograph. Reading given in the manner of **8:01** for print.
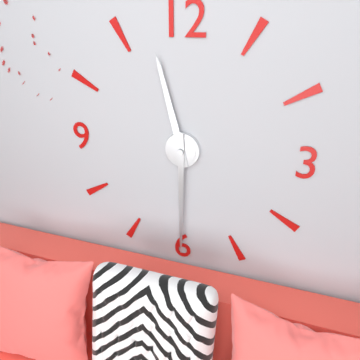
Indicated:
**11:30**
